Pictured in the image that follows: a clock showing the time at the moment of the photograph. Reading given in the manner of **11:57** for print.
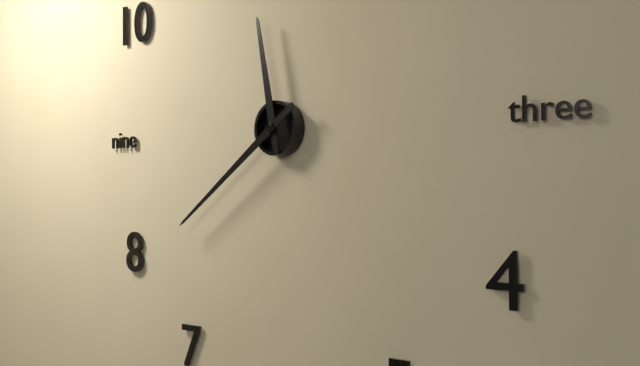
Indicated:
**11:39**
